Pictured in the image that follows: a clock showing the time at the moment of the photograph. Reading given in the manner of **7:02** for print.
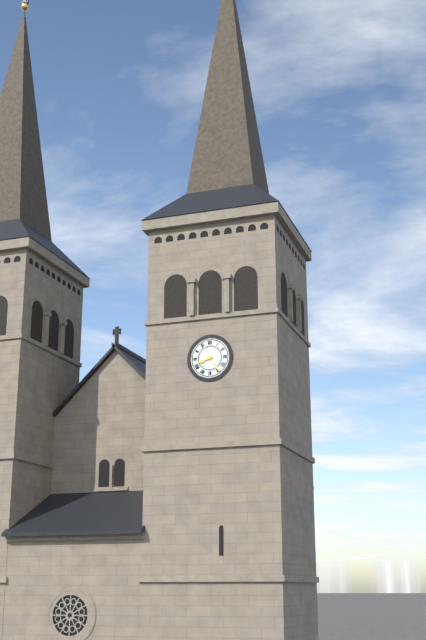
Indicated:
**8:24**
